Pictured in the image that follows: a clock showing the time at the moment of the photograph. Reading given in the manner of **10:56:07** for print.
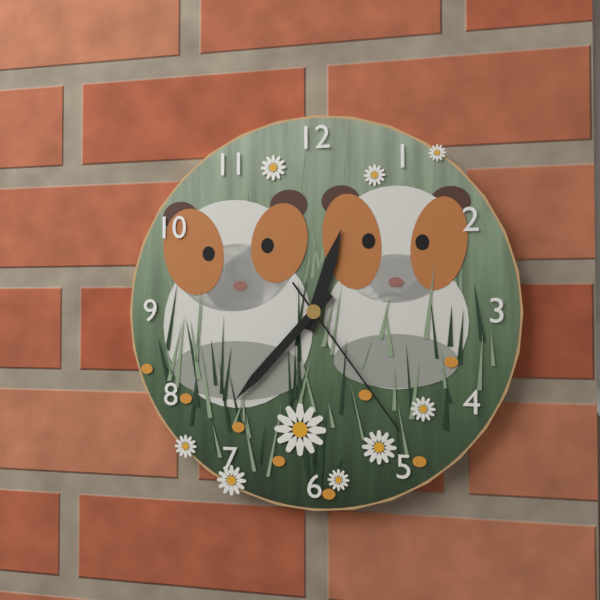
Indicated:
**12:37:24**
